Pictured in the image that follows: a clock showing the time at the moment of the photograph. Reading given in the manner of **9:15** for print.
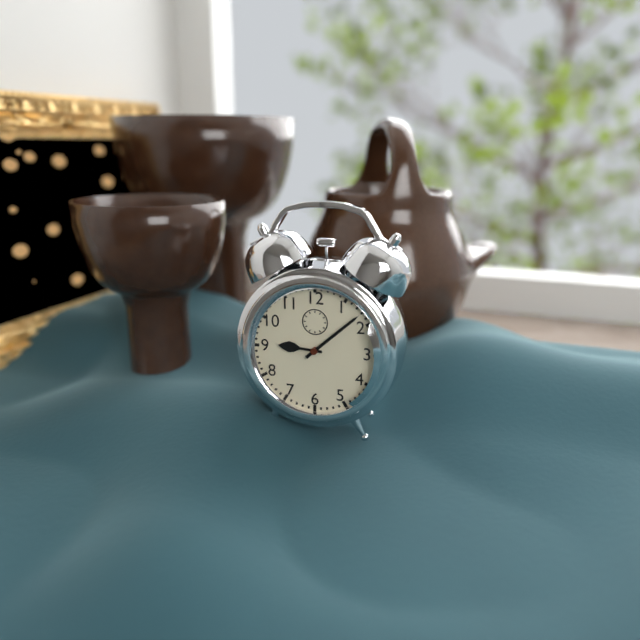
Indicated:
**9:08**
